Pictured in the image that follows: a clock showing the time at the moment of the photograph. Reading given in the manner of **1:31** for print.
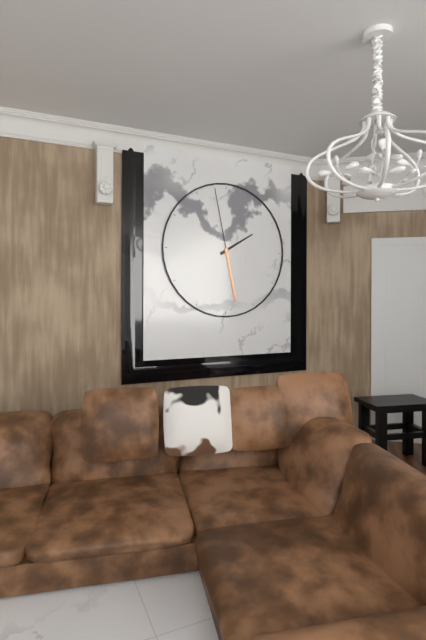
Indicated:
**1:58**
